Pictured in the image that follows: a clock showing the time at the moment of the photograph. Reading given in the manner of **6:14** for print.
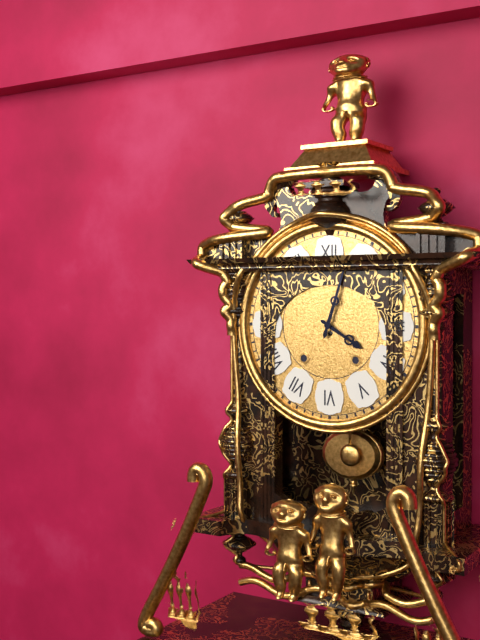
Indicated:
**4:03**
